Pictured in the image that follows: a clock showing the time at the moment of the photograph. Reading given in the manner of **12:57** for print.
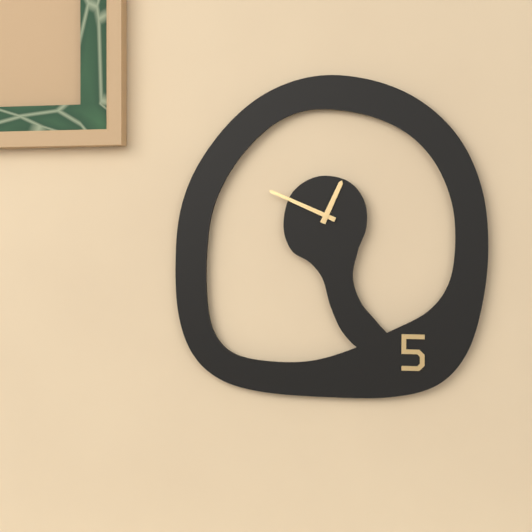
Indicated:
**12:49**
